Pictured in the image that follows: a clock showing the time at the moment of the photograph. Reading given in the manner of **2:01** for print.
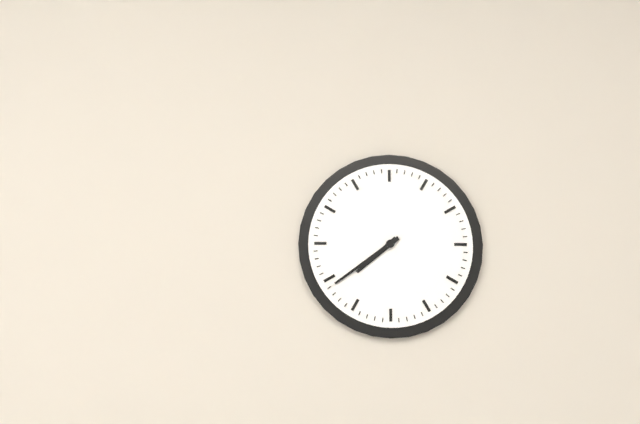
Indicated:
**7:39**
